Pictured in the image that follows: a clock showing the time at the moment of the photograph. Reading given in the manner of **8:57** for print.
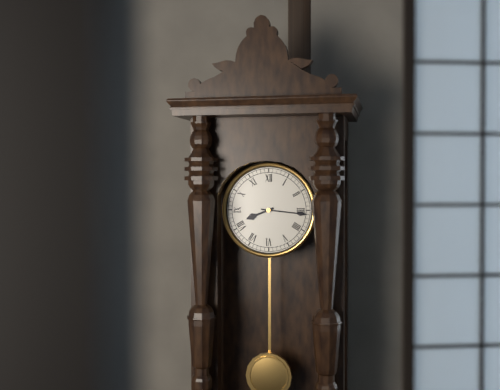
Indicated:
**8:16**
